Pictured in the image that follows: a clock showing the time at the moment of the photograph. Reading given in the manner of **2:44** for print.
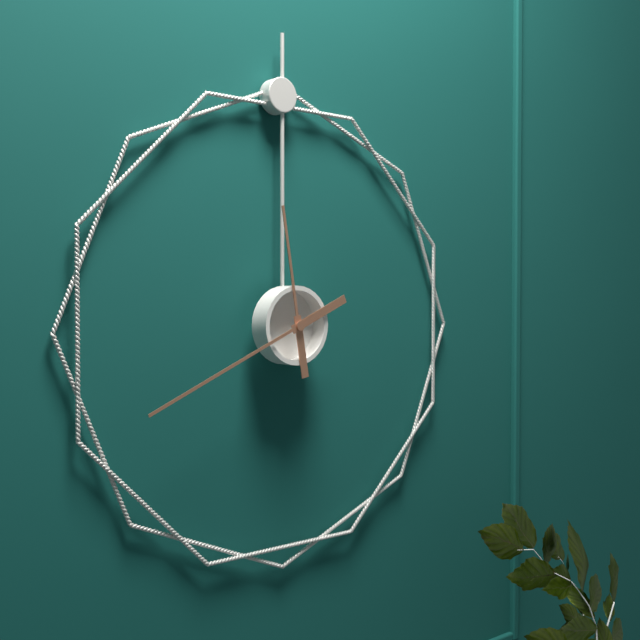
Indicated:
**11:41**
